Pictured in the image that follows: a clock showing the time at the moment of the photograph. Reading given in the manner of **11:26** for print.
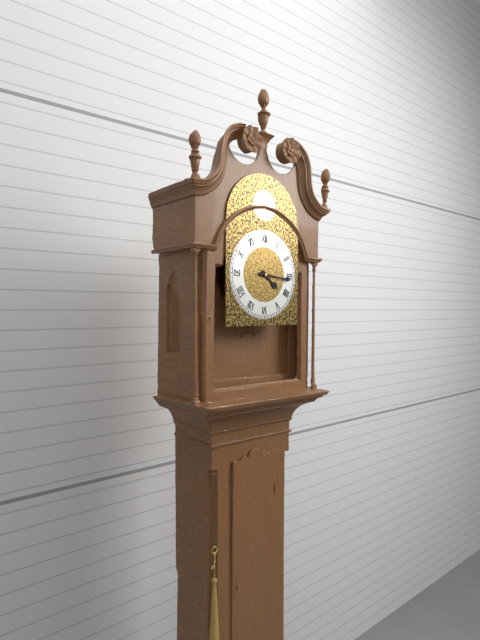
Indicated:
**4:16**
